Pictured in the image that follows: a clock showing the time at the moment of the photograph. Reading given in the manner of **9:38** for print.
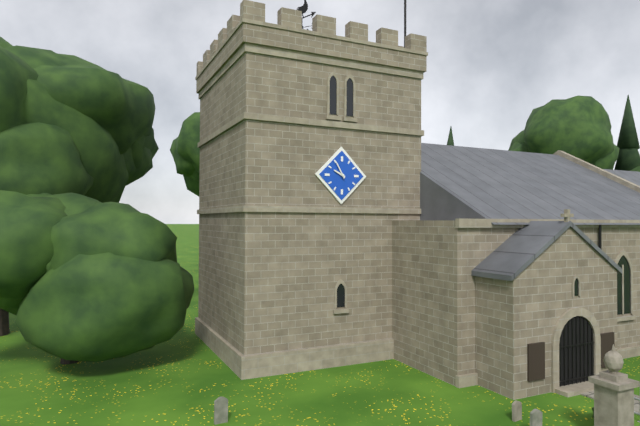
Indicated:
**9:55**
